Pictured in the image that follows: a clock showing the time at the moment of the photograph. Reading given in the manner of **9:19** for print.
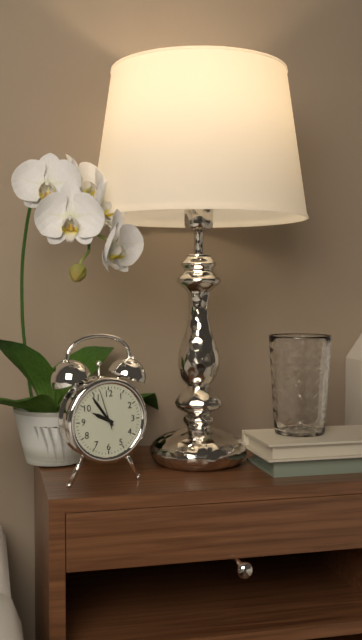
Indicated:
**9:54**
